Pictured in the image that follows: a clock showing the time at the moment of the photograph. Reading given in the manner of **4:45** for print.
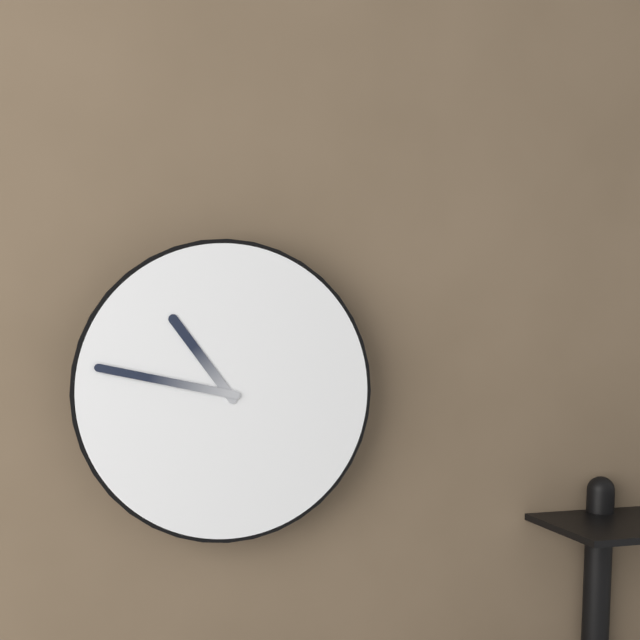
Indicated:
**10:47**
